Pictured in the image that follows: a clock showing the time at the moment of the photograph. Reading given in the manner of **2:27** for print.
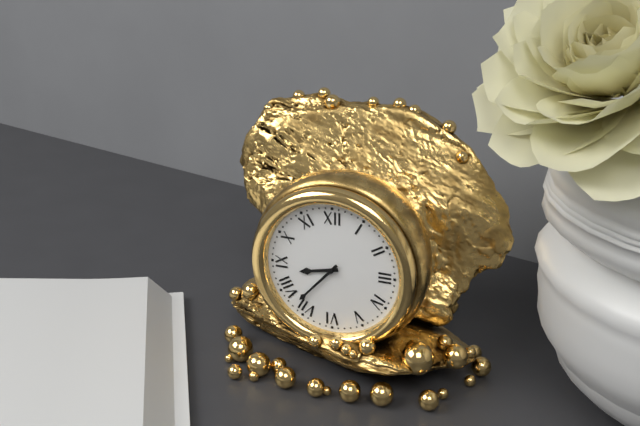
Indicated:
**8:37**
